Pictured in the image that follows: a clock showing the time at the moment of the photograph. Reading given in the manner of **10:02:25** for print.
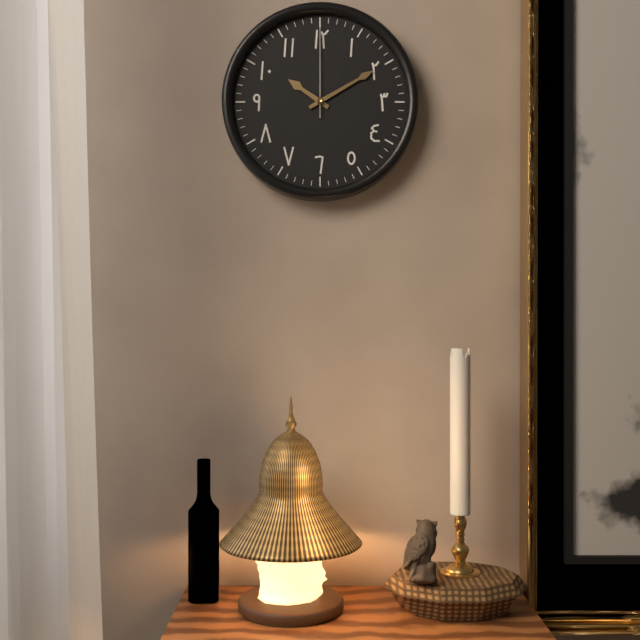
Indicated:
**10:10:00**
